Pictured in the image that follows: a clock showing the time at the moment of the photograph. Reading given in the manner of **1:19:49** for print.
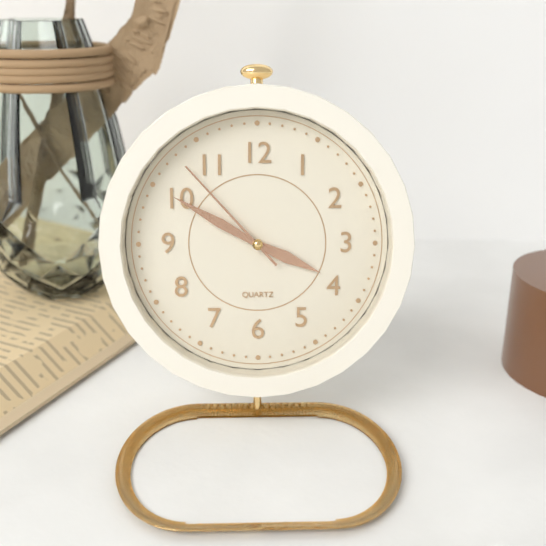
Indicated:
**3:50:53**
